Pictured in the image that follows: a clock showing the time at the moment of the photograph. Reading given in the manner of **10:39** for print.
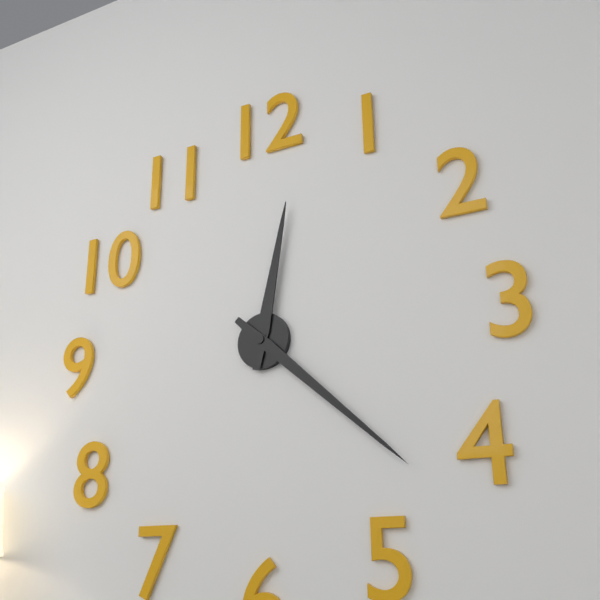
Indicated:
**12:22**
